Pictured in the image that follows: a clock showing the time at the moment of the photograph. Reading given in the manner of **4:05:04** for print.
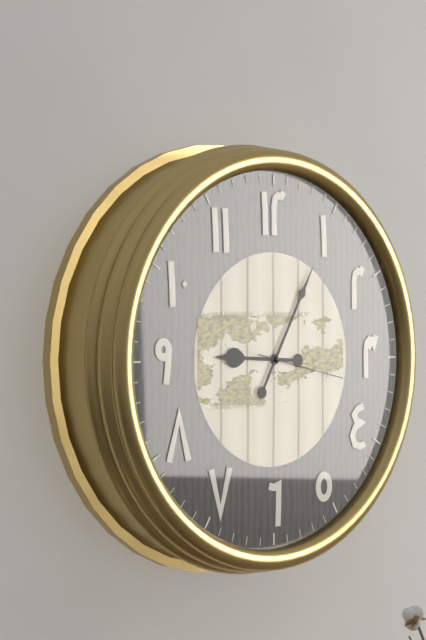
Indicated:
**9:05:17**
